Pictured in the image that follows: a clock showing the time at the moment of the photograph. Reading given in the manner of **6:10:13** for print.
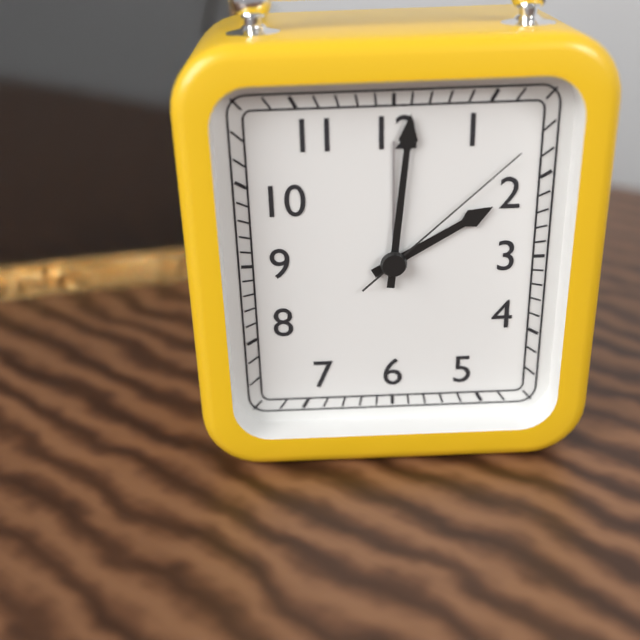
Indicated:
**2:01:08**
